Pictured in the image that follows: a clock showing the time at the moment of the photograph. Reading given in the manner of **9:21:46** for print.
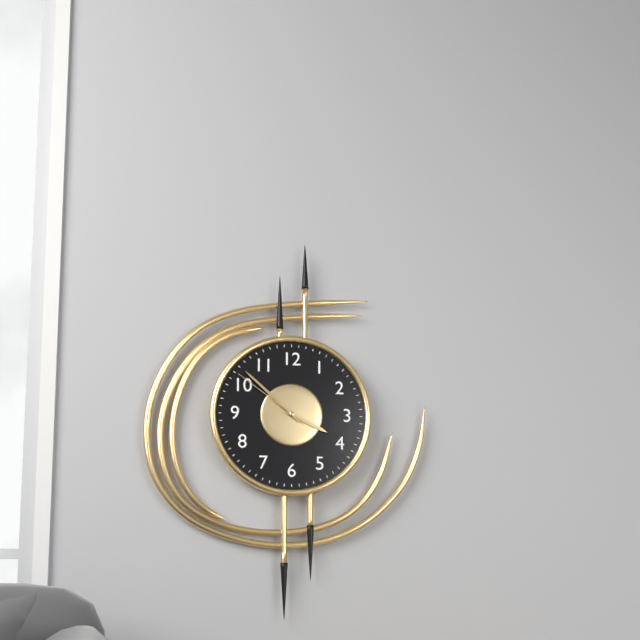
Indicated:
**3:52:51**
